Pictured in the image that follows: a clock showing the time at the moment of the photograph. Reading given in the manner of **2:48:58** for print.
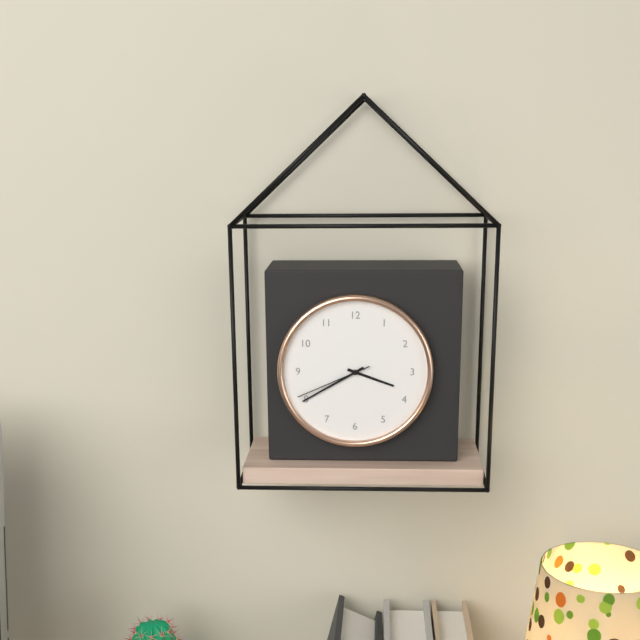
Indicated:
**3:40:41**
